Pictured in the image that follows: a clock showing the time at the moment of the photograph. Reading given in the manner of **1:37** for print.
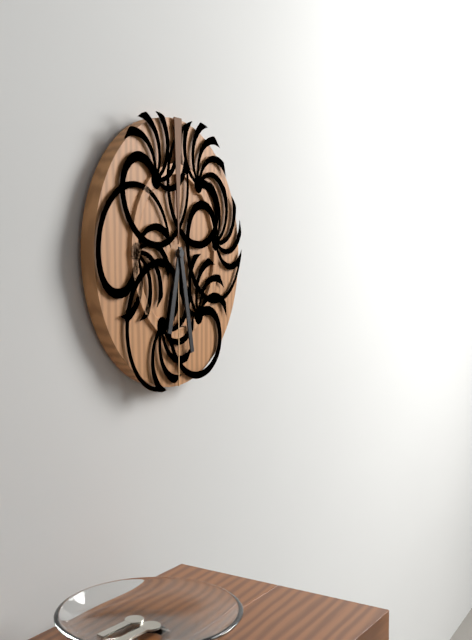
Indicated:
**6:28**
